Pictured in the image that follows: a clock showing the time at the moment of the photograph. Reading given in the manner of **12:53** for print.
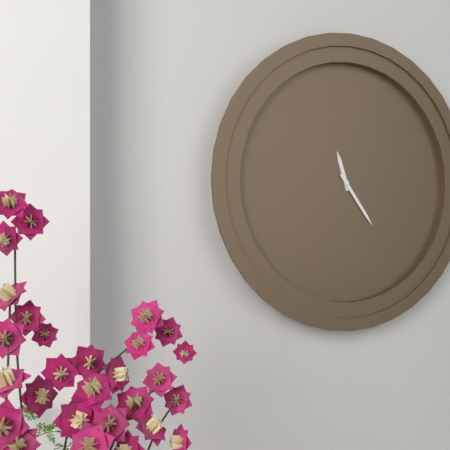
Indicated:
**11:24**
